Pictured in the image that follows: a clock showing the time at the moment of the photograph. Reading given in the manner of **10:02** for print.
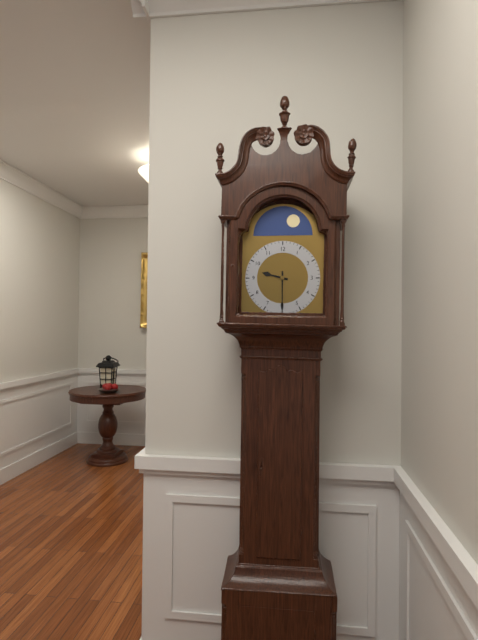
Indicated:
**9:30**
